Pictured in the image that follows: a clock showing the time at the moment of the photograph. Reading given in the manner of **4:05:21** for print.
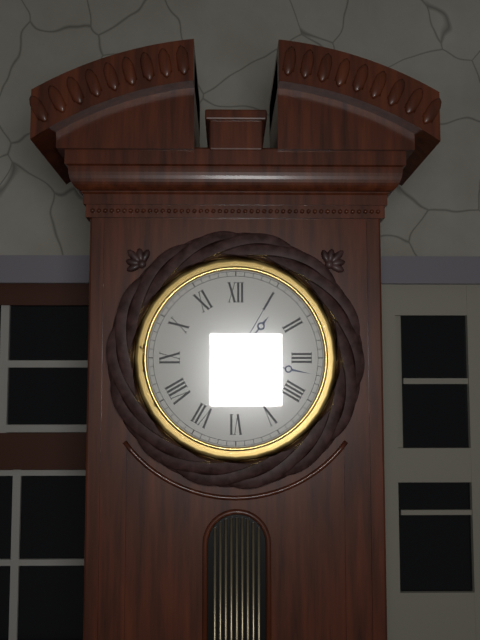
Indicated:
**1:17:05**
